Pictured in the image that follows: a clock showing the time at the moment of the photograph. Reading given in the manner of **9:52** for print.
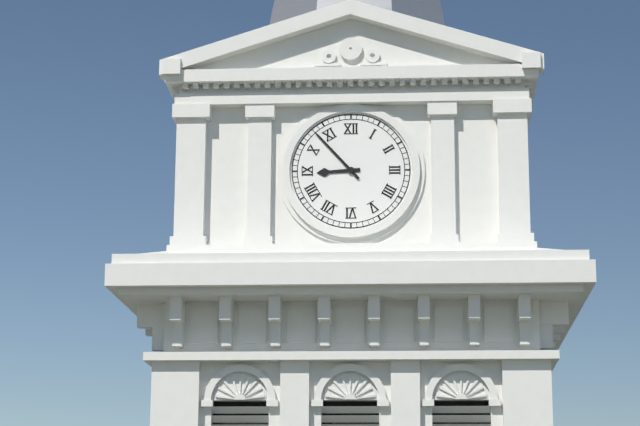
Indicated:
**8:53**
